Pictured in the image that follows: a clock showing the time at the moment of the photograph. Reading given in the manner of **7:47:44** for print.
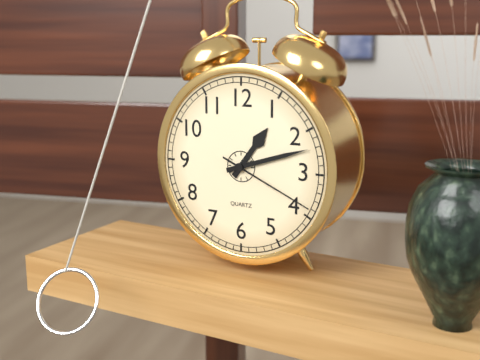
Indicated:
**1:12:19**
